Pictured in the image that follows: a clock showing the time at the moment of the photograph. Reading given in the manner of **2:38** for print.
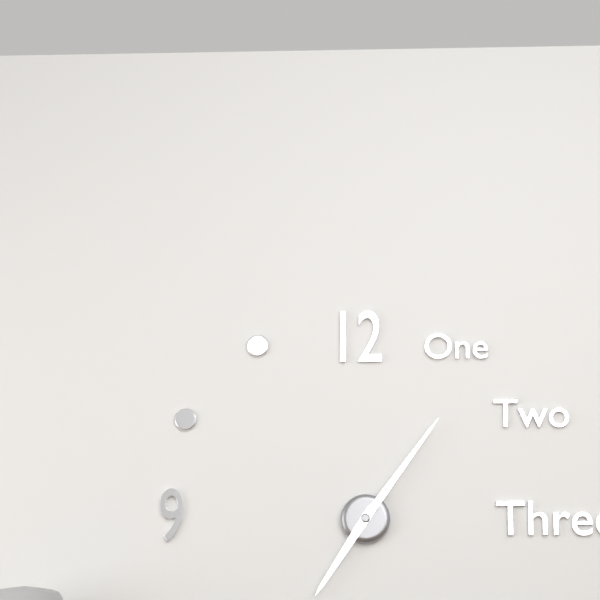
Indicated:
**7:06**
